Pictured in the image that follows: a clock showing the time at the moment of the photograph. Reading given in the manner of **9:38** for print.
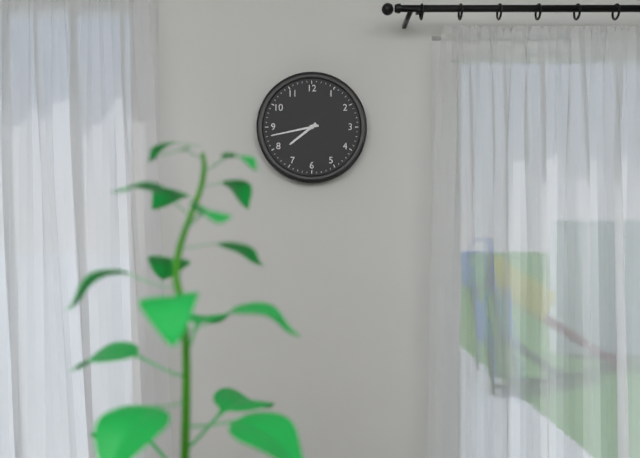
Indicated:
**7:43**
